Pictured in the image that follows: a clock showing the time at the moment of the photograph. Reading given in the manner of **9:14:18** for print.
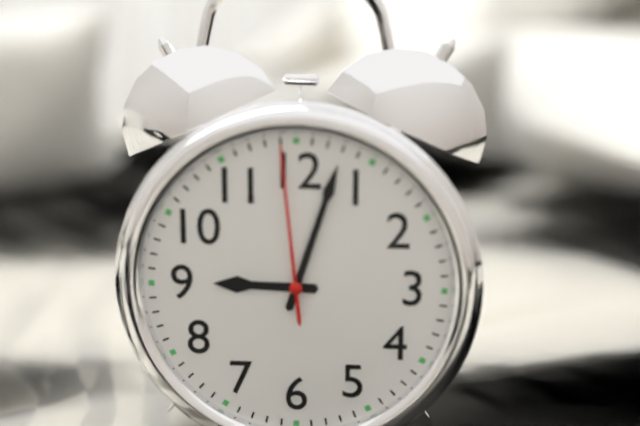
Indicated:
**9:03:59**
